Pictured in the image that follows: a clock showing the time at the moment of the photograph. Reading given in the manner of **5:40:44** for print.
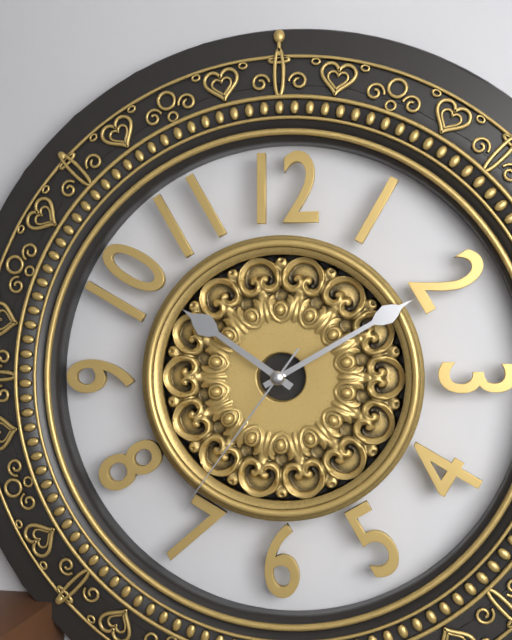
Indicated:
**10:10:36**
